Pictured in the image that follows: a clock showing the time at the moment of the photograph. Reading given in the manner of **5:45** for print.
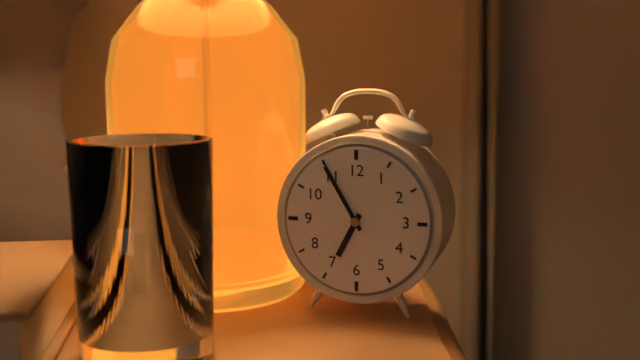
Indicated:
**6:55**
